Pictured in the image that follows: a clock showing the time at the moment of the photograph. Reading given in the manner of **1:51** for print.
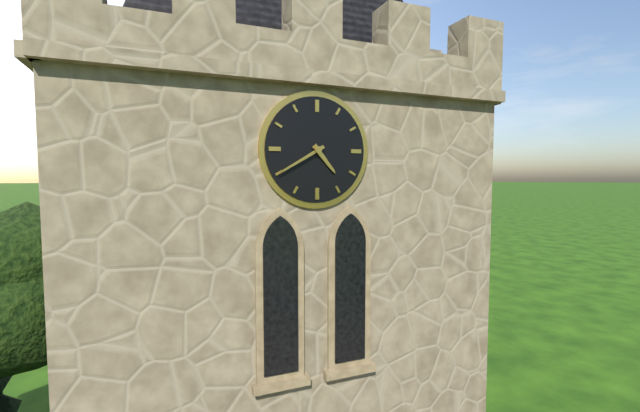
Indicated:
**4:40**
